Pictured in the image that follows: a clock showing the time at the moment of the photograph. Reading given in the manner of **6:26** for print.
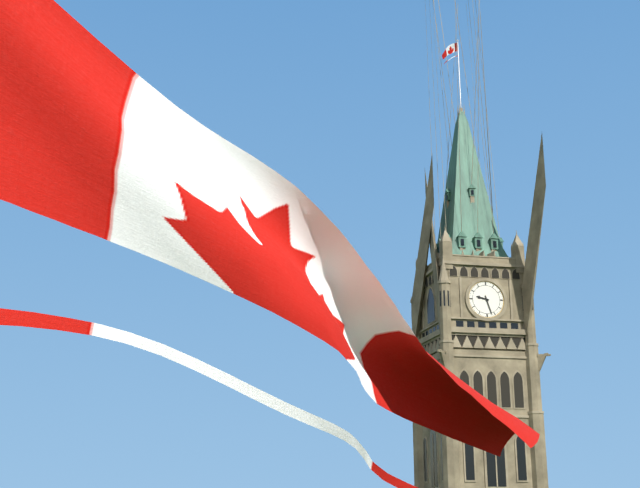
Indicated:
**9:27**
